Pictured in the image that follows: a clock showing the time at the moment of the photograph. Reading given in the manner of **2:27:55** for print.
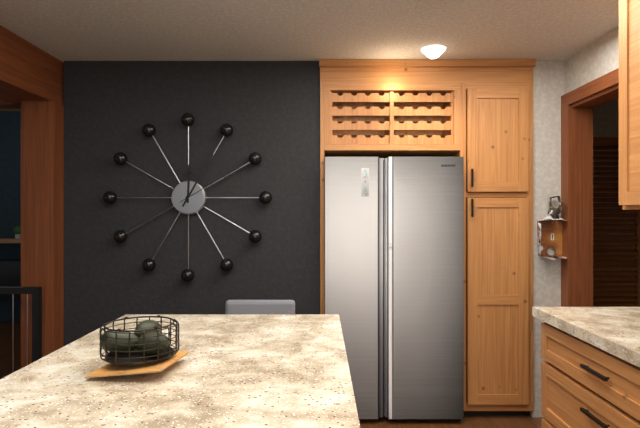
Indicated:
**12:05:10**
